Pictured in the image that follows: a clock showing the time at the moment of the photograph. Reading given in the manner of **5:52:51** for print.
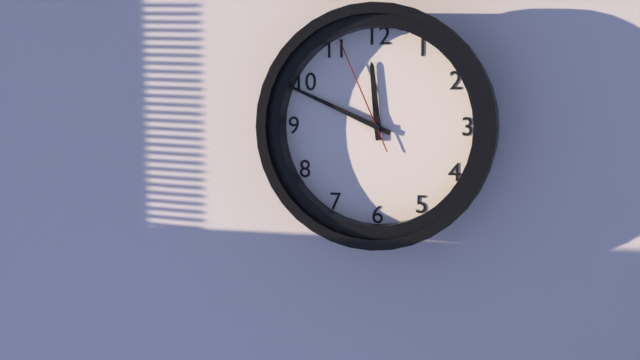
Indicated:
**11:49:56**
